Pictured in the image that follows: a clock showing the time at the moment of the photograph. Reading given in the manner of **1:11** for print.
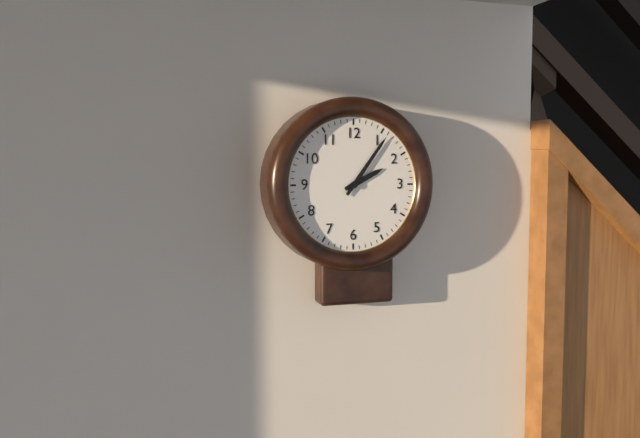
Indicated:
**2:06**
